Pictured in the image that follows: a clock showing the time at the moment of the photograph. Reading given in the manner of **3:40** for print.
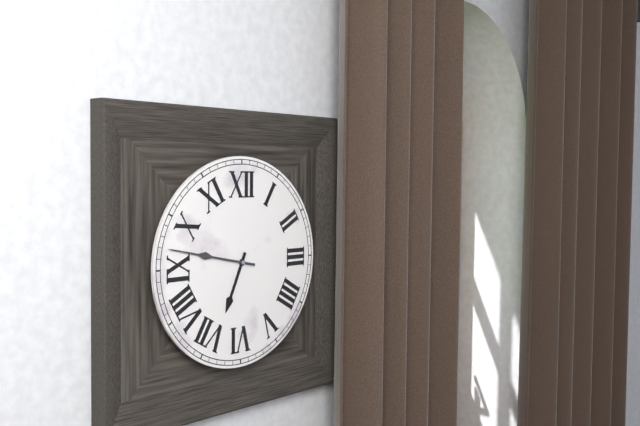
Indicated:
**6:47**
